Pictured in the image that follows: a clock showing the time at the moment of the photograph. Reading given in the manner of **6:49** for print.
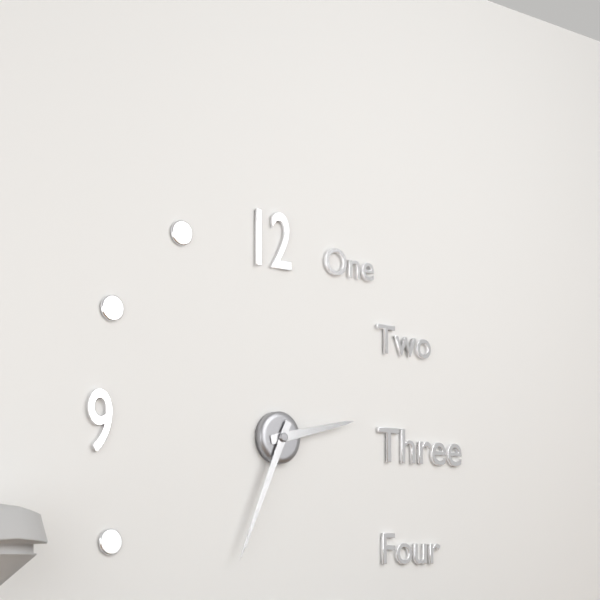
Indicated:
**2:34**
